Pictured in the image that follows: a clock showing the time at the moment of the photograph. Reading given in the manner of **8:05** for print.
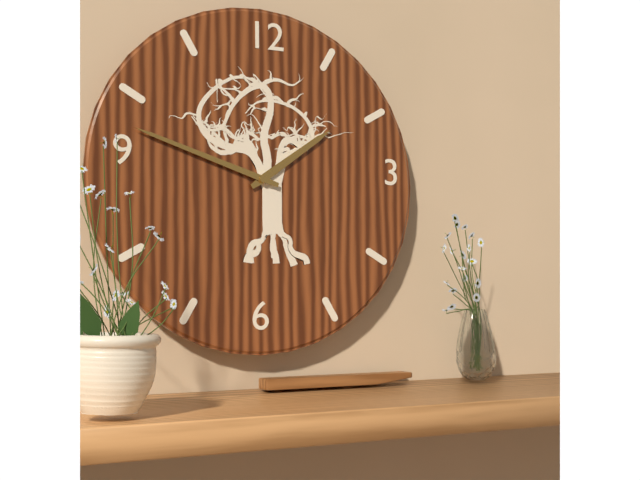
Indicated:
**1:48**
